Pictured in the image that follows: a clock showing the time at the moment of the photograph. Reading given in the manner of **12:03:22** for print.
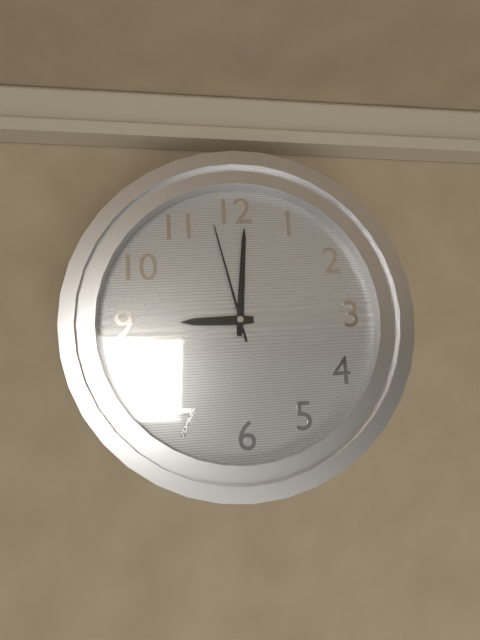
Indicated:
**9:01:58**
